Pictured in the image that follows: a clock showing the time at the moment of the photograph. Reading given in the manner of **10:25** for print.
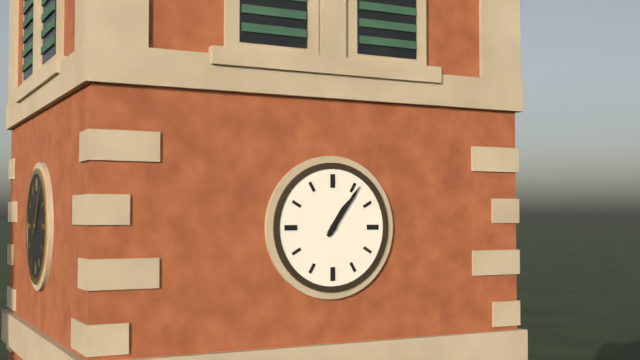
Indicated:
**1:06**
